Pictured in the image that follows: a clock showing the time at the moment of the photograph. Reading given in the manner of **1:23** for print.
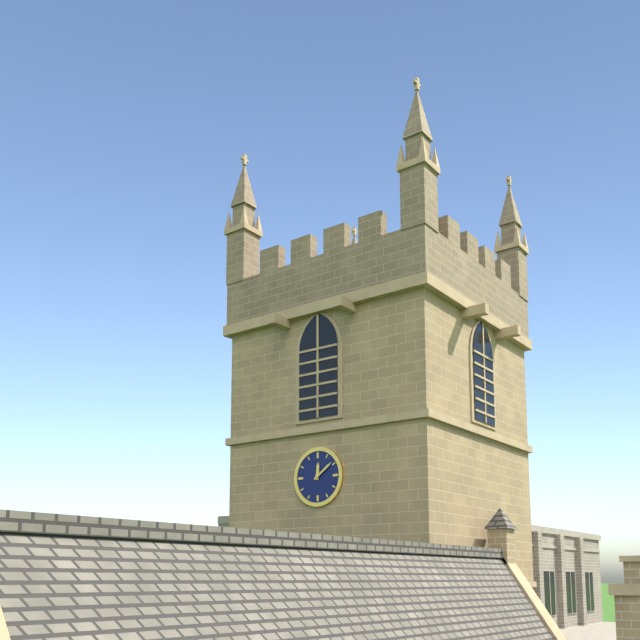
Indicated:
**12:09**
